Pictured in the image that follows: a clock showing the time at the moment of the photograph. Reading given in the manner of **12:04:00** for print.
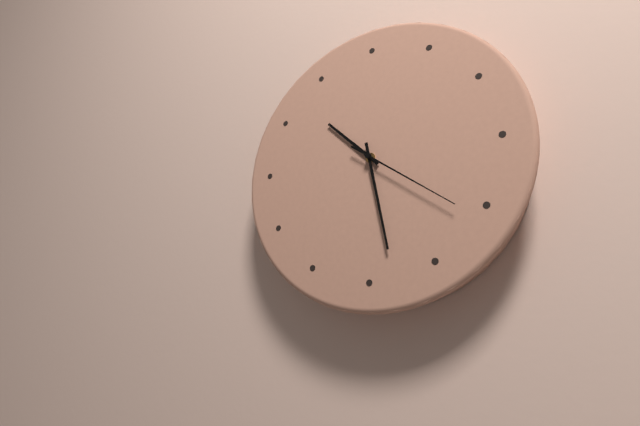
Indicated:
**10:28:21**
